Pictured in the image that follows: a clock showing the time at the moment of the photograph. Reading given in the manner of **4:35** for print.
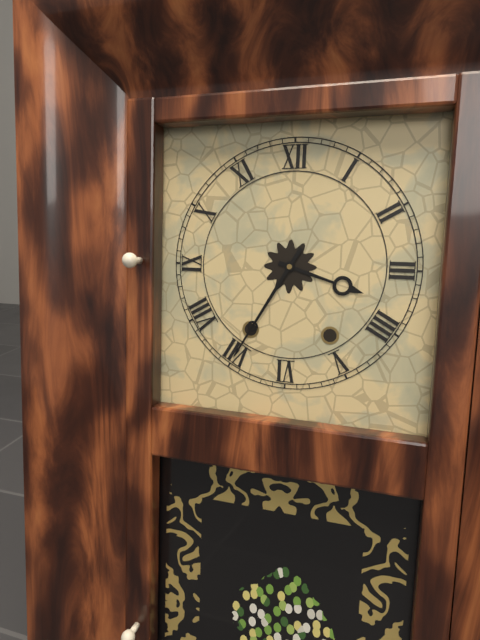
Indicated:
**3:35**
